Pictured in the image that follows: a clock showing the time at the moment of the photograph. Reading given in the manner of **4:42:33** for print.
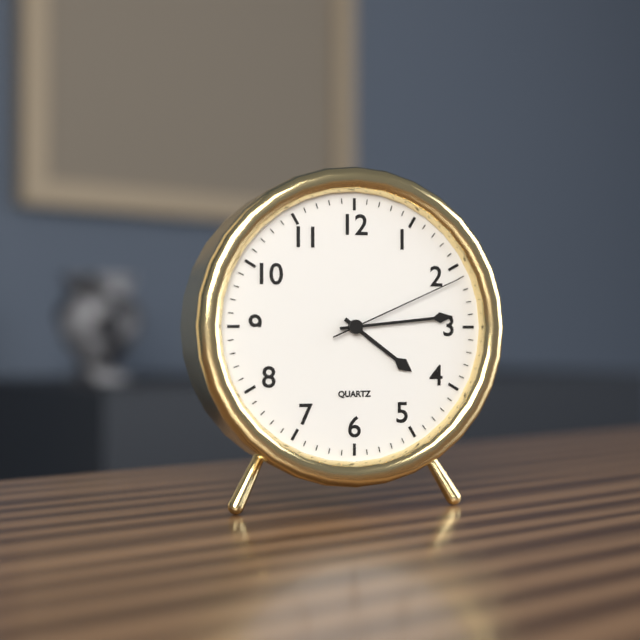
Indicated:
**4:14:11**
